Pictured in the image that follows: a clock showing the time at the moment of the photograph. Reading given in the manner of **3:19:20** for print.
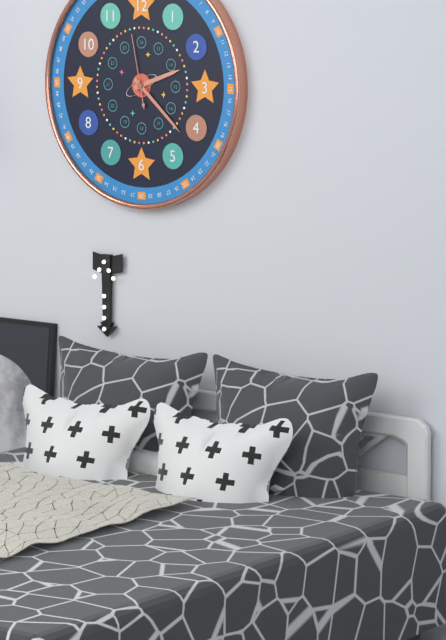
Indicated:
**2:22:58**
